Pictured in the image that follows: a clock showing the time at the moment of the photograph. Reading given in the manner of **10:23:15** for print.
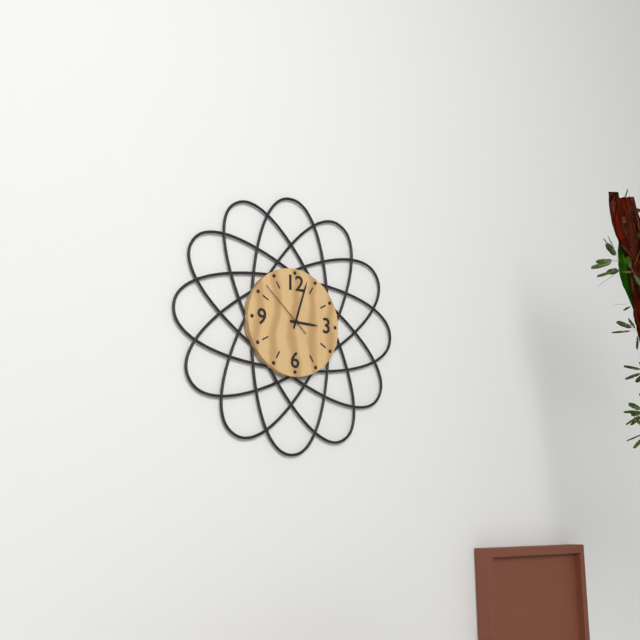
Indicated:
**3:03:52**
